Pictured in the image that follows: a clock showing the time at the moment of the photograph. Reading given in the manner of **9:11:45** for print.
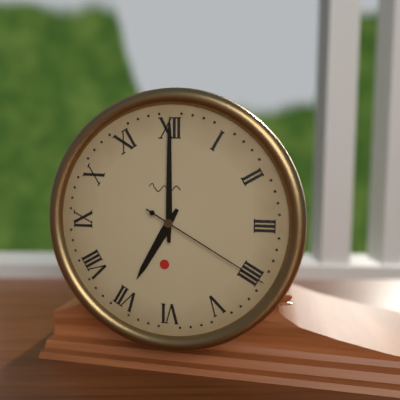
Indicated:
**7:00:20**
